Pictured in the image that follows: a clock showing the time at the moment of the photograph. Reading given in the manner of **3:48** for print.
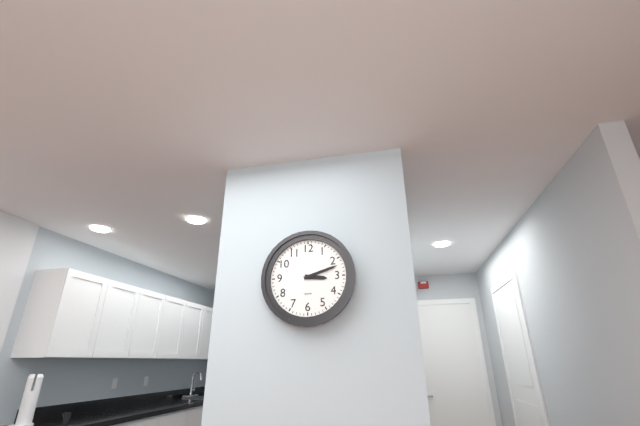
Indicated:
**3:12**
